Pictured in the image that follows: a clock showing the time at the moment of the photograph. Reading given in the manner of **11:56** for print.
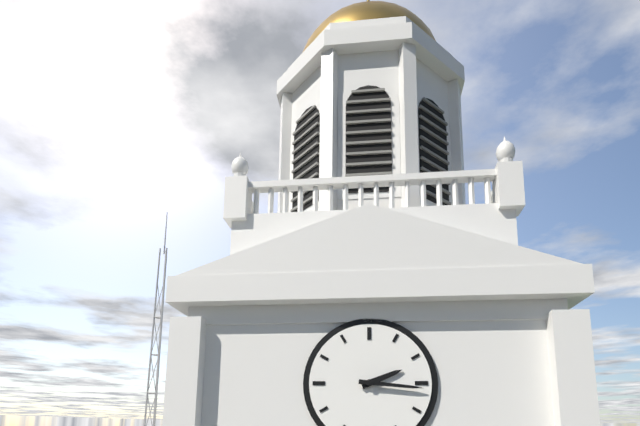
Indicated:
**2:16**
